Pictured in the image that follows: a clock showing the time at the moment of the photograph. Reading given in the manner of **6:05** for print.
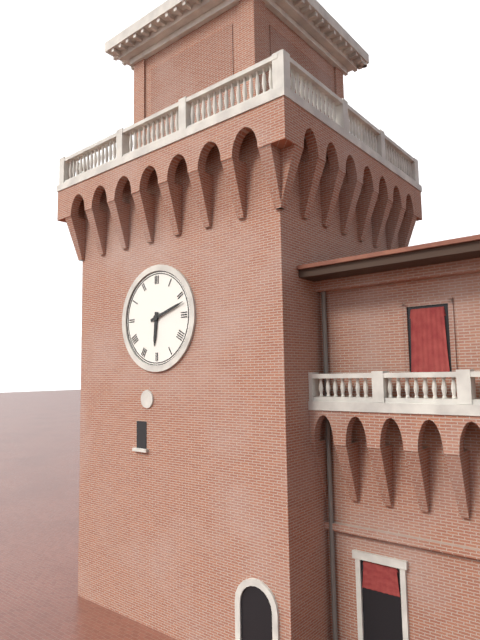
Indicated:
**6:12**
